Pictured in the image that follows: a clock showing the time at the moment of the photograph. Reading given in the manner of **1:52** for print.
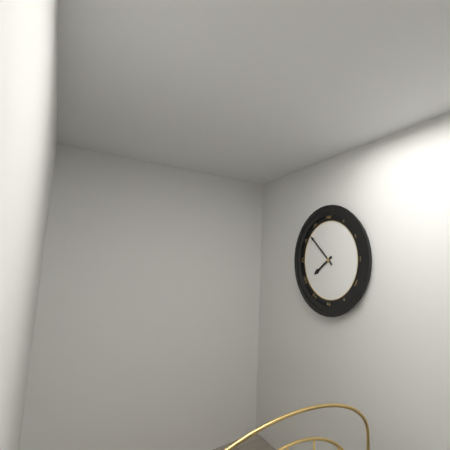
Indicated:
**7:52**
